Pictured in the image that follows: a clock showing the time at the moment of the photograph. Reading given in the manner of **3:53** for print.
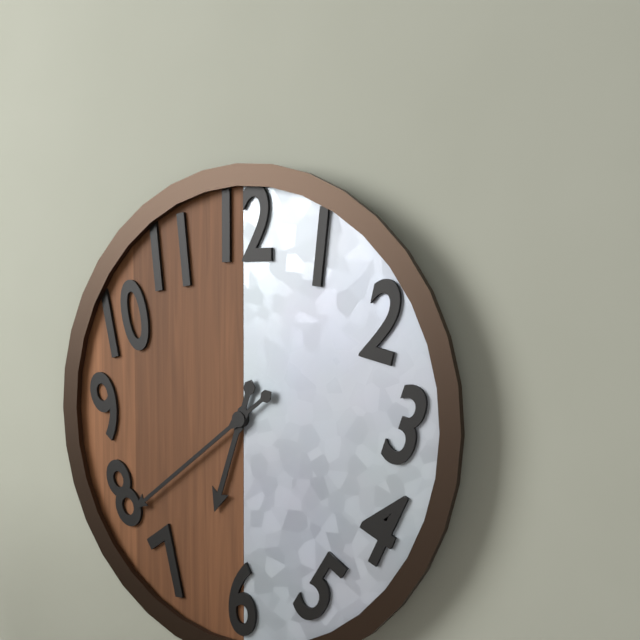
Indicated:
**6:39**
